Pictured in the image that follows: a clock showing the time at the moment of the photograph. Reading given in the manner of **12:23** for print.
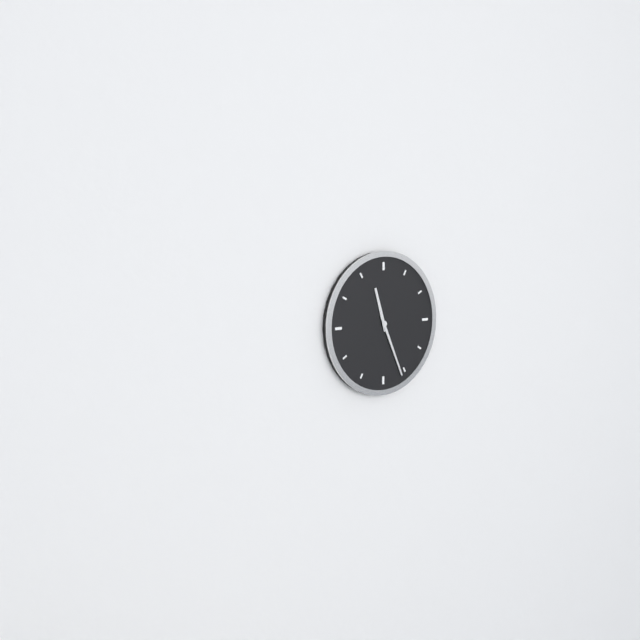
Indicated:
**11:26**
